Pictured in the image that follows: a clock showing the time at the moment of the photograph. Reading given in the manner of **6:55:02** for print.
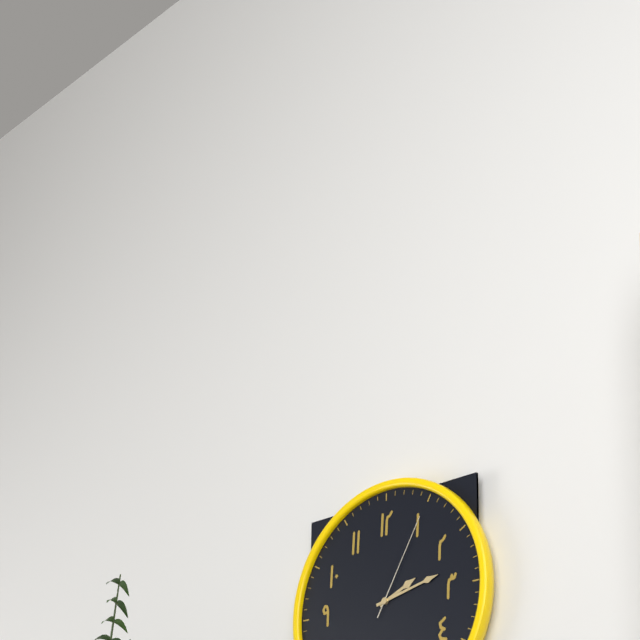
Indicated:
**2:13:05**
